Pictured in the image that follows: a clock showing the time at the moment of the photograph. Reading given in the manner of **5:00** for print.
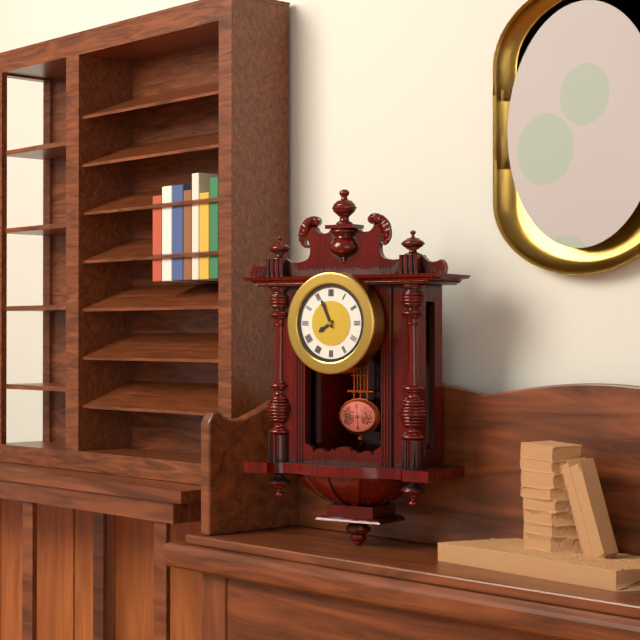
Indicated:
**7:56**
